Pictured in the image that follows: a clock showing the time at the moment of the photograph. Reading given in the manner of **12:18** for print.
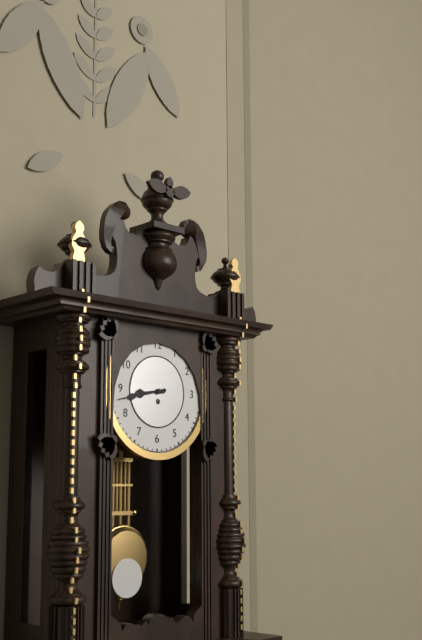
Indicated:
**8:43**
